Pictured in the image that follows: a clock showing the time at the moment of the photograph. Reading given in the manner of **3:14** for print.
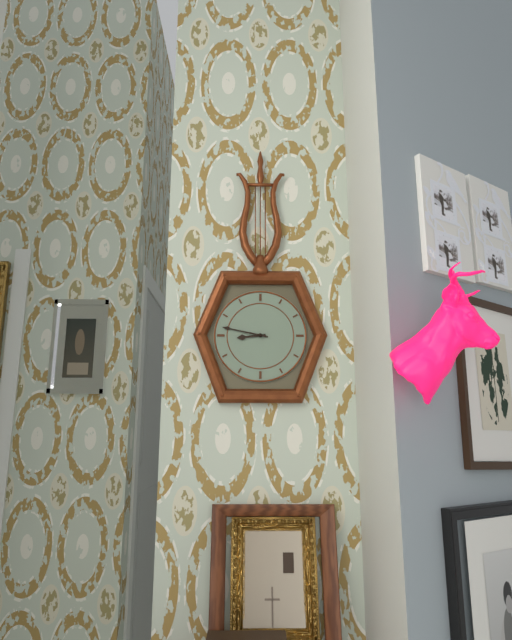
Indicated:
**8:47**
